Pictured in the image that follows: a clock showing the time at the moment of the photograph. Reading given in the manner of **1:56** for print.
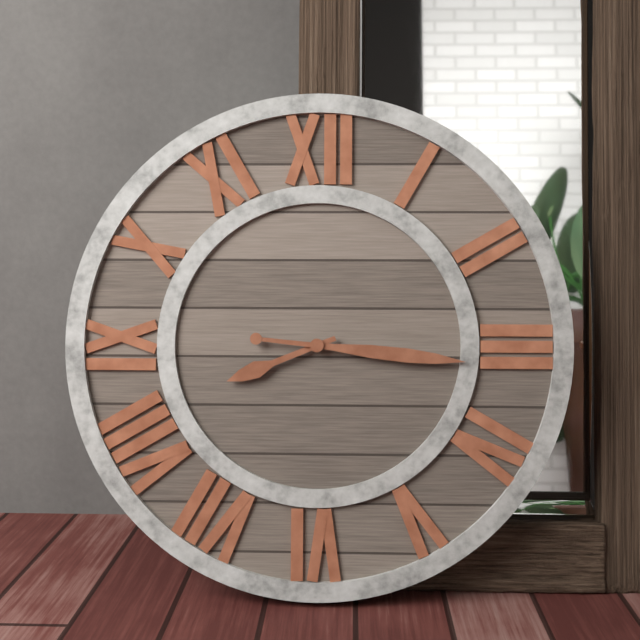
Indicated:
**8:16**
